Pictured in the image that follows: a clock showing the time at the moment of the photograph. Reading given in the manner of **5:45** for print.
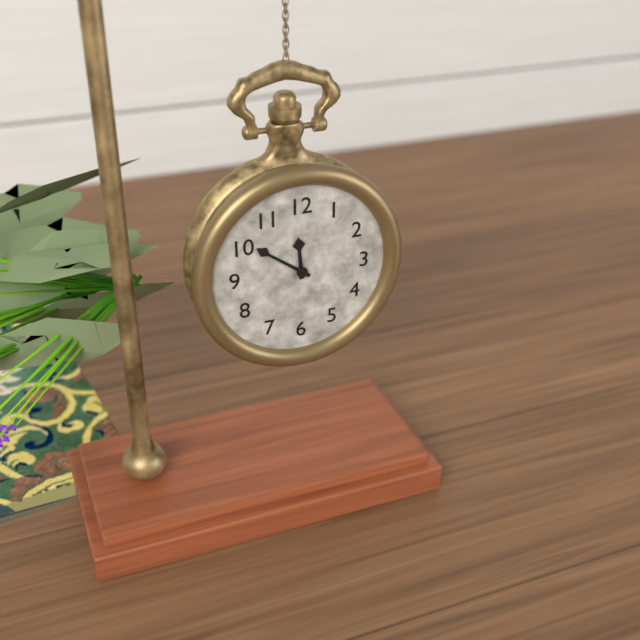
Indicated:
**11:51**
